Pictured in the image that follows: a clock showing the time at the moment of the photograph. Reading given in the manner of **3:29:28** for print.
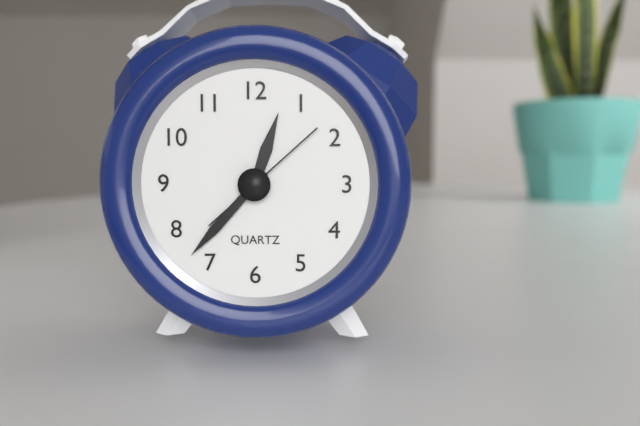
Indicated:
**12:37:08**
